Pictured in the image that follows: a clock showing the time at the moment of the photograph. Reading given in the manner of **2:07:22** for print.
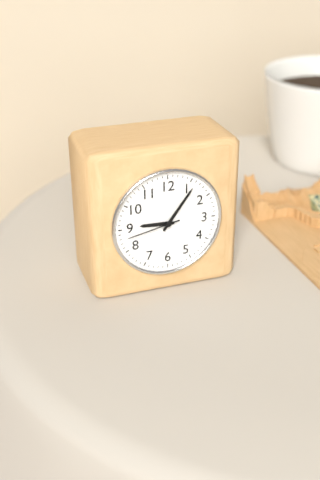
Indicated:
**9:06:43**
